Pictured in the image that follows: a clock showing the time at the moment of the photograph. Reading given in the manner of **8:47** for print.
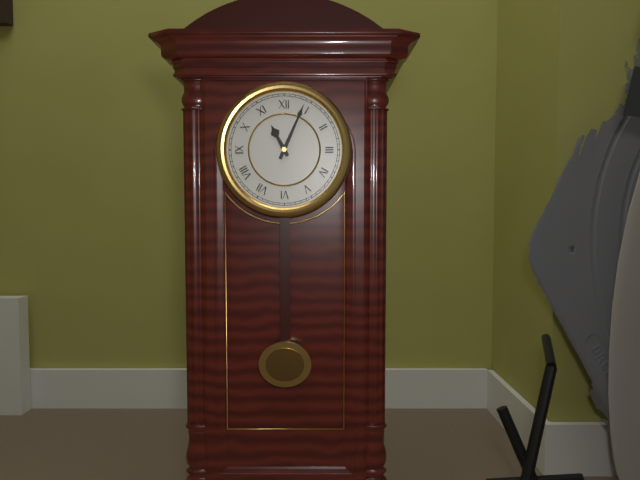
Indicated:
**11:04**
